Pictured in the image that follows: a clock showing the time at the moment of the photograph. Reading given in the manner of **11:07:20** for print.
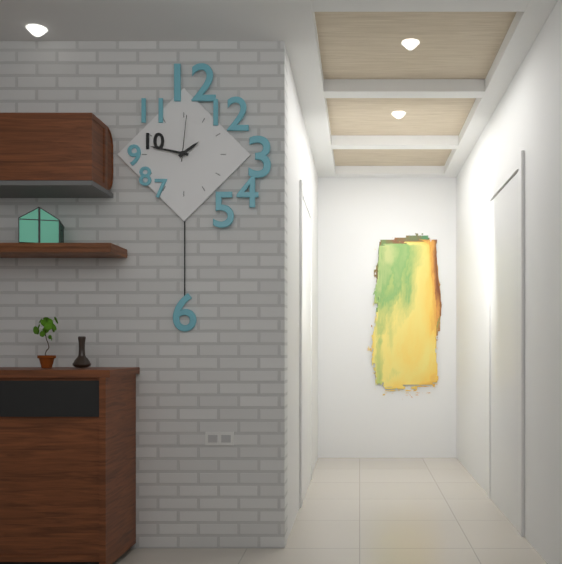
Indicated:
**1:47:01**
